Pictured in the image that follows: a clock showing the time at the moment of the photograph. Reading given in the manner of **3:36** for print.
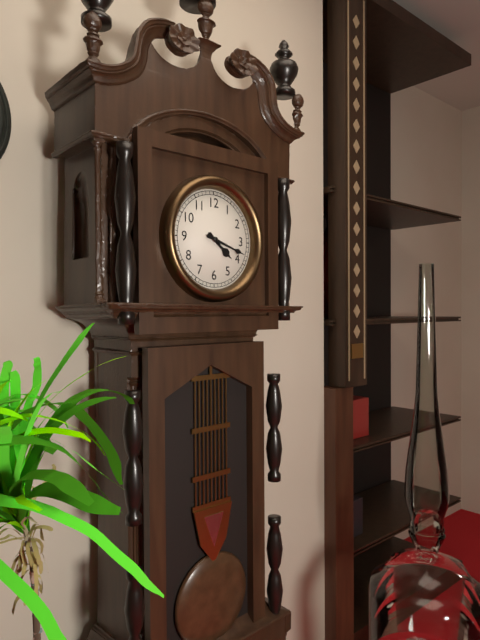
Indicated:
**4:18**
